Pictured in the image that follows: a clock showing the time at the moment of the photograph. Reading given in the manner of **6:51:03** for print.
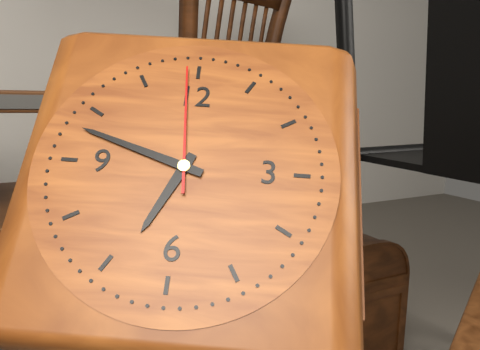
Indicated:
**6:48:59**
